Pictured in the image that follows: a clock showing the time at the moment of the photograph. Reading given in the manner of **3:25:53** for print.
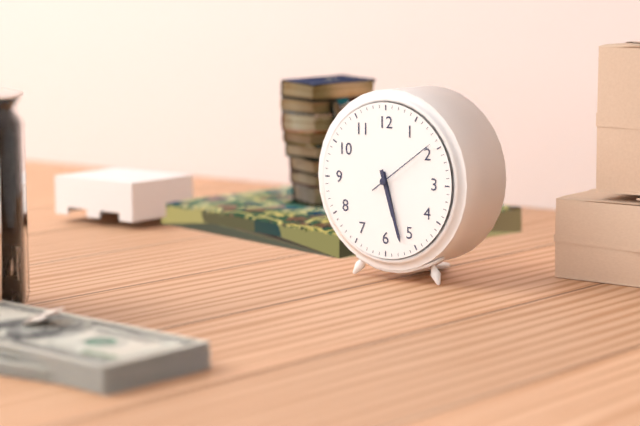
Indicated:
**5:27:09**
